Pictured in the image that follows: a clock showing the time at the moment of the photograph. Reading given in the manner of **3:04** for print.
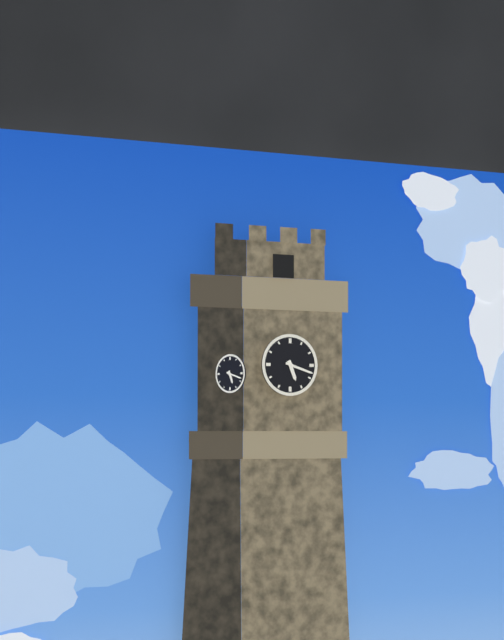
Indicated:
**5:18**
